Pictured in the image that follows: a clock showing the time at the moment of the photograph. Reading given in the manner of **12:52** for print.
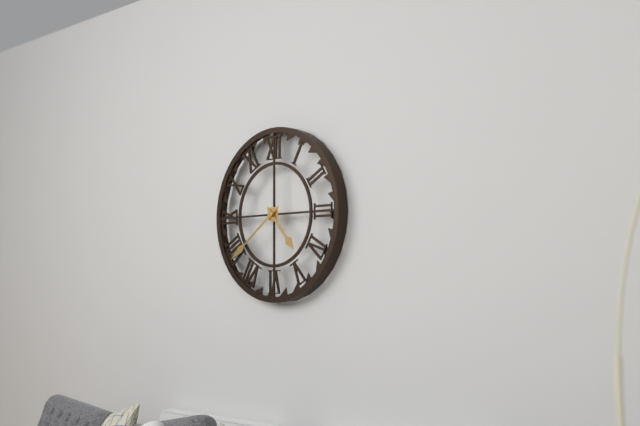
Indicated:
**4:39**
